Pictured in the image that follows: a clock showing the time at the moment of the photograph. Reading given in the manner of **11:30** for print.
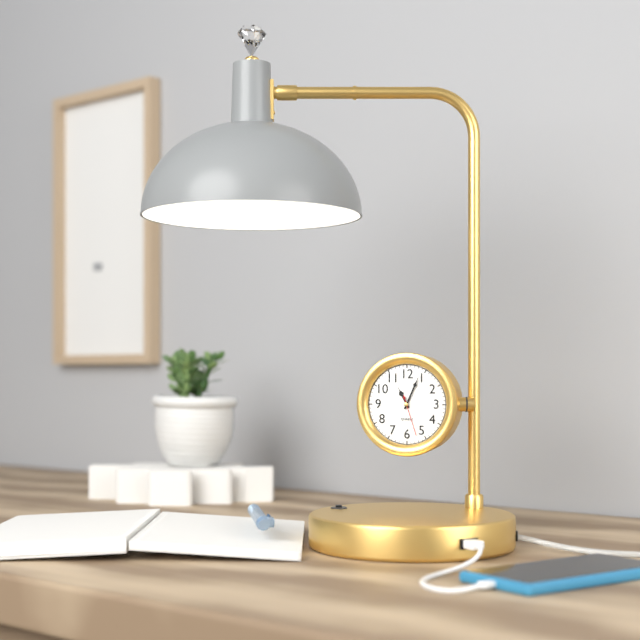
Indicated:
**11:04**
